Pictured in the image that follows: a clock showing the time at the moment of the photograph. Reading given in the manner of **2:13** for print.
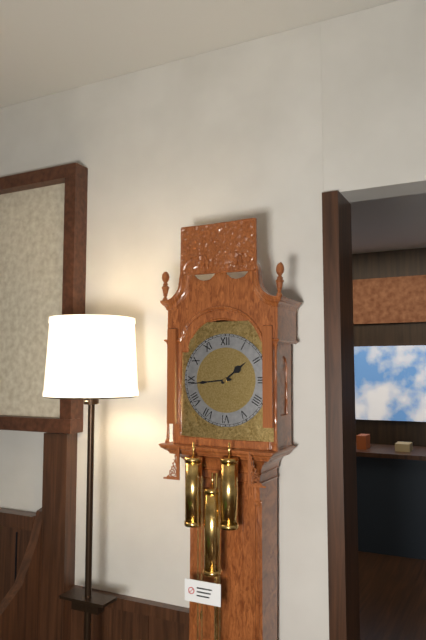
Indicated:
**1:44**
